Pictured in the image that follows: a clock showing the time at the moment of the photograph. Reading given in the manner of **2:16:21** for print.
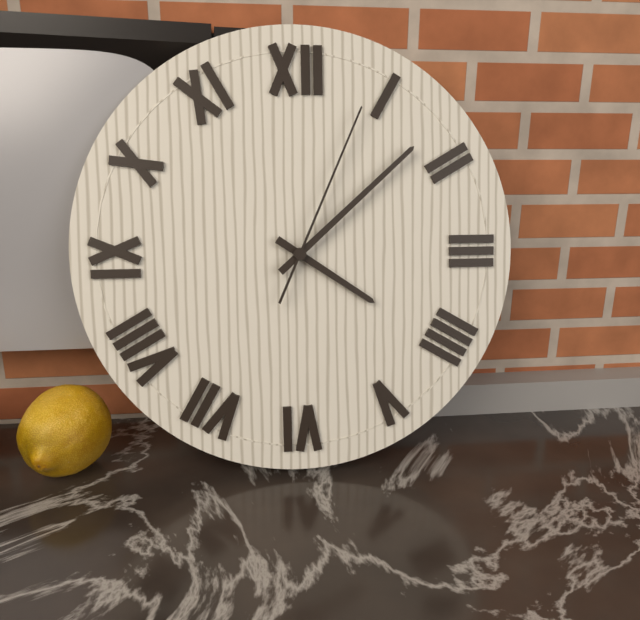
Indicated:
**4:08:04**
